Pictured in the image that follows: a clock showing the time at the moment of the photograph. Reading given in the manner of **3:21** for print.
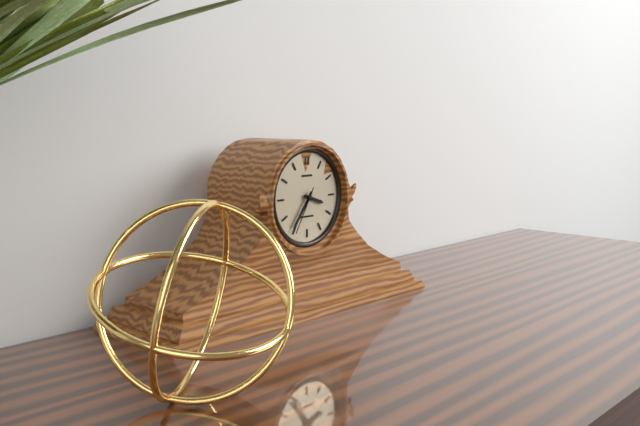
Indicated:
**3:36**
